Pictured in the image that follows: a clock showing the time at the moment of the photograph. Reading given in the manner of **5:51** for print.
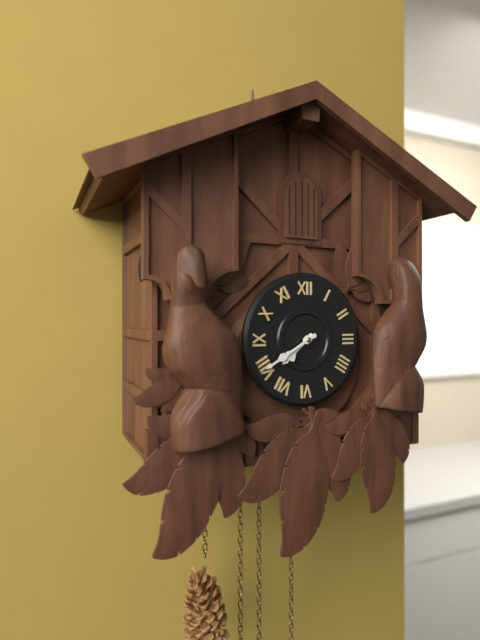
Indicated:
**7:40**
